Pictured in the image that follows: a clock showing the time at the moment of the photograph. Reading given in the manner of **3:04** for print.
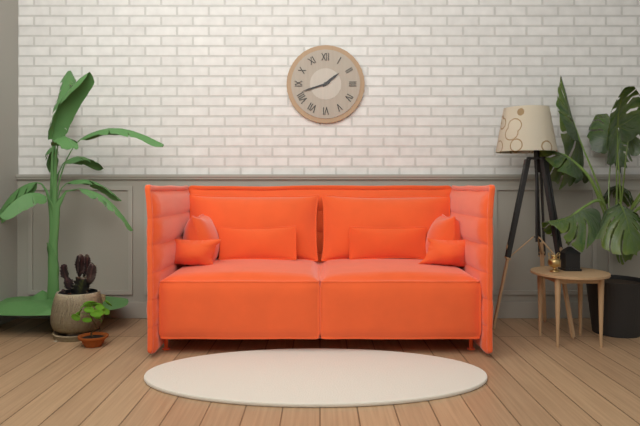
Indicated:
**1:42**
